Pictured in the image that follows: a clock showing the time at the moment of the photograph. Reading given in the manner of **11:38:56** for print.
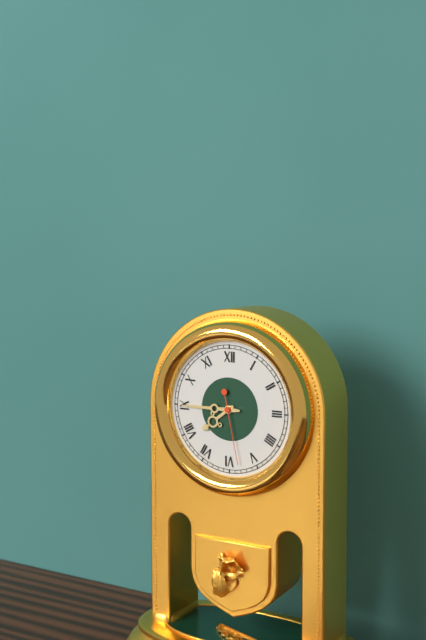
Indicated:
**7:45:28**
